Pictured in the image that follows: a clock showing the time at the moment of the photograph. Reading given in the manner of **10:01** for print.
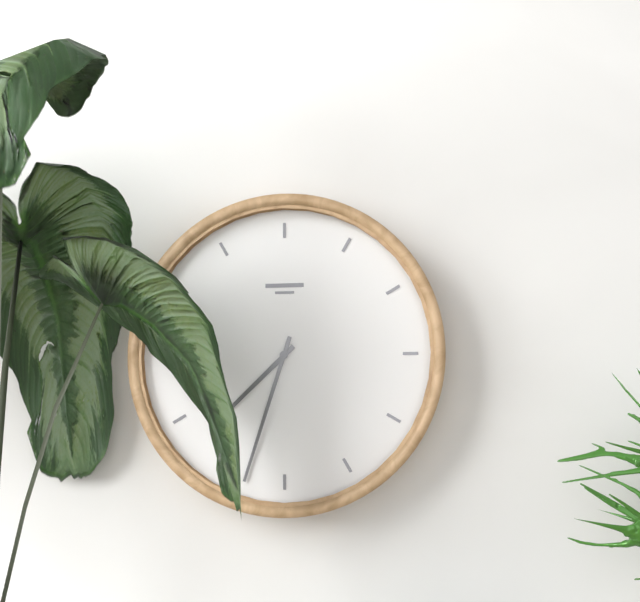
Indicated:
**7:33**
